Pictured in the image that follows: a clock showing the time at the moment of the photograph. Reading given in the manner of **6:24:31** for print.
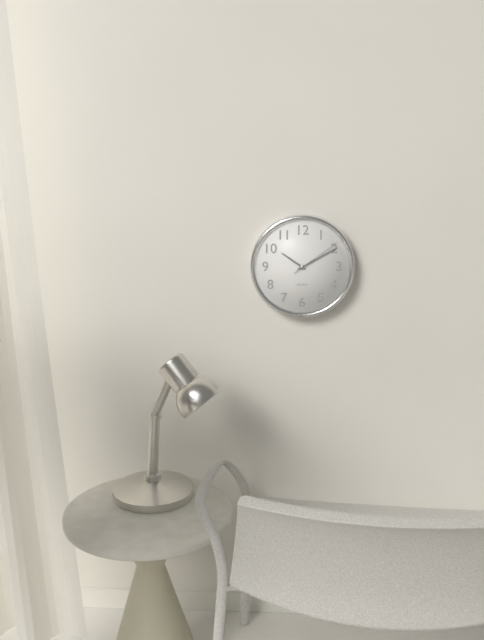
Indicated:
**10:10:09**
